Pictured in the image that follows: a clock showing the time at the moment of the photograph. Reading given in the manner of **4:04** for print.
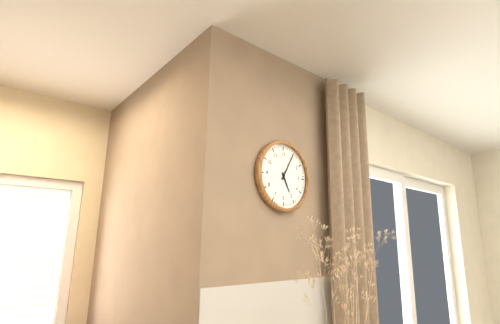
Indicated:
**5:05**
